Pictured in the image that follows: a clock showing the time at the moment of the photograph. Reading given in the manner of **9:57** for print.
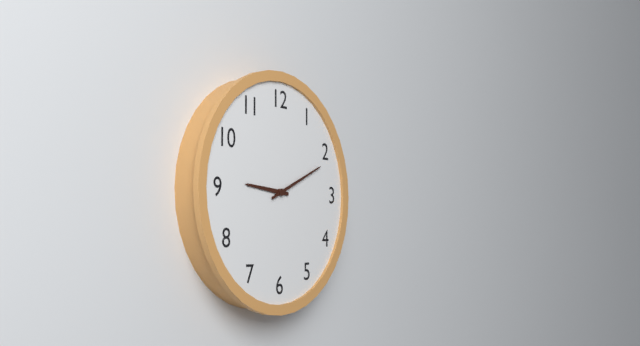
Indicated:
**9:11**
